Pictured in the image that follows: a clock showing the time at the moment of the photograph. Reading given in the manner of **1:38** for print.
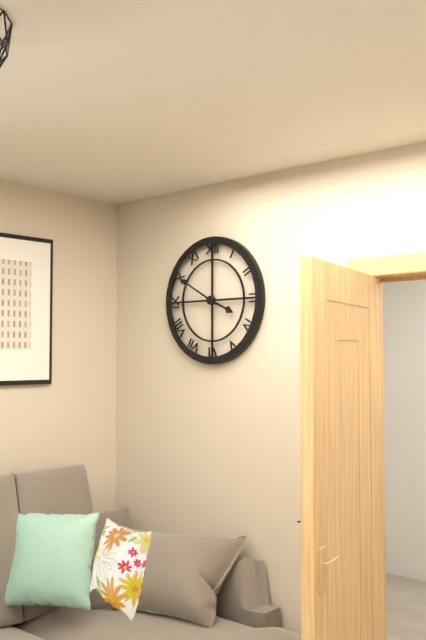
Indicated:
**3:50**
